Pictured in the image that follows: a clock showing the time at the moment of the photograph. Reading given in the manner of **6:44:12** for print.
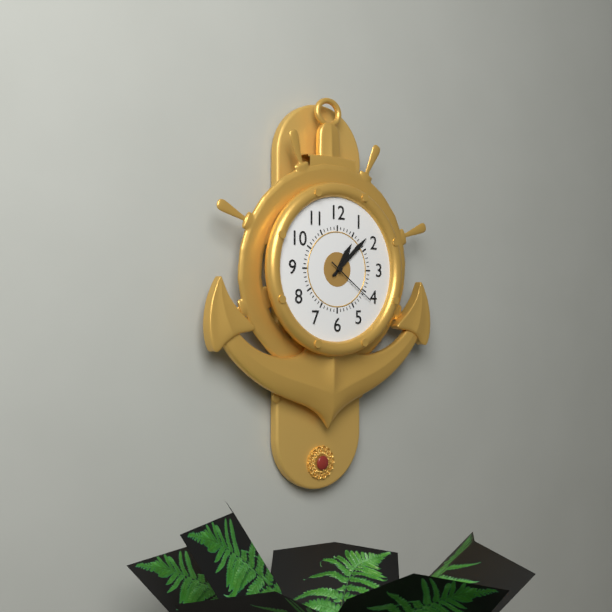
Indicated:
**1:08:21**
